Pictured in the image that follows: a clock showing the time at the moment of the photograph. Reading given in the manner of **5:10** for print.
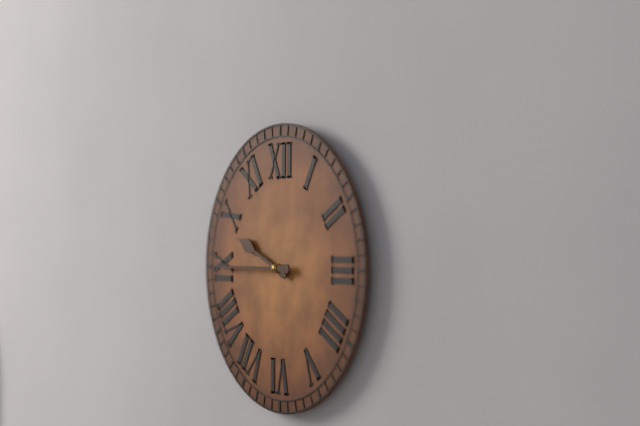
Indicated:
**9:45**
